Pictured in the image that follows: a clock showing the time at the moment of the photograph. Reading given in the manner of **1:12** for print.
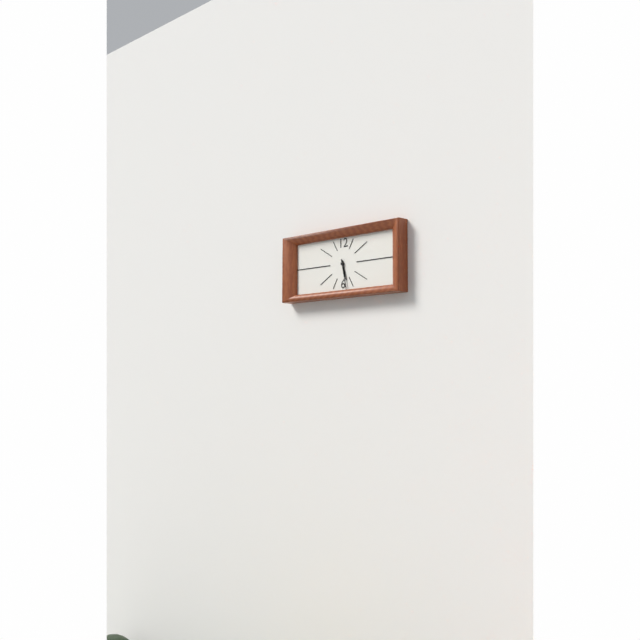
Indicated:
**5:28**
